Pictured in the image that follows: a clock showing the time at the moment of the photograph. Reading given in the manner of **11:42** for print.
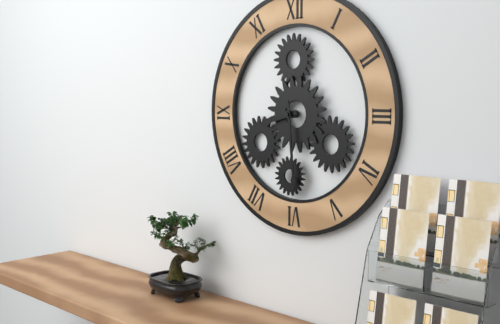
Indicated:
**8:29**
